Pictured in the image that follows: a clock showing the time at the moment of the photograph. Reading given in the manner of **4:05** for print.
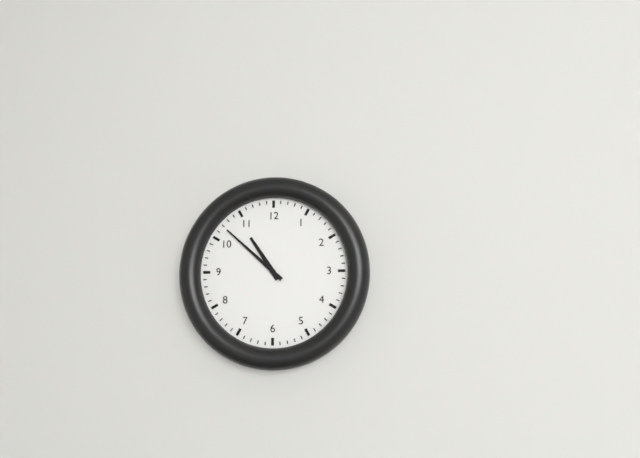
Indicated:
**10:52**
